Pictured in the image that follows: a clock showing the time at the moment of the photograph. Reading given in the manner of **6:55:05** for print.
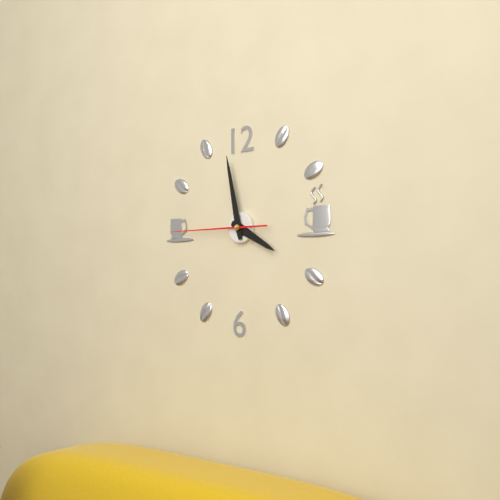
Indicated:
**3:58:45**
